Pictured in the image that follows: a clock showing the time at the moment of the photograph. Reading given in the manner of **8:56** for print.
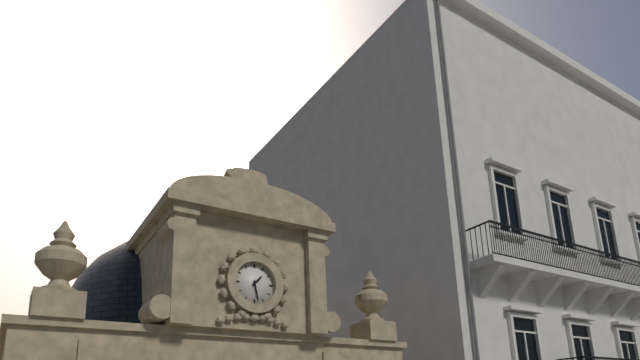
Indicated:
**1:28**
